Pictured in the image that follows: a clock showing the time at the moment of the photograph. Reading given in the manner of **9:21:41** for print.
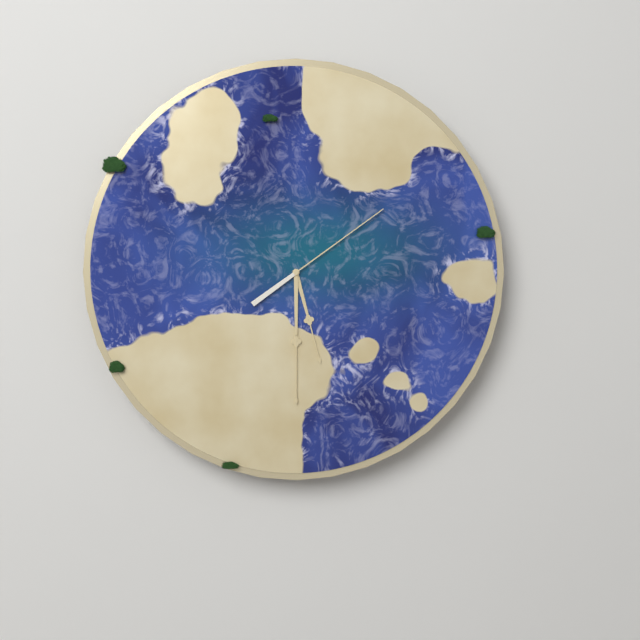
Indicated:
**5:30:09**
